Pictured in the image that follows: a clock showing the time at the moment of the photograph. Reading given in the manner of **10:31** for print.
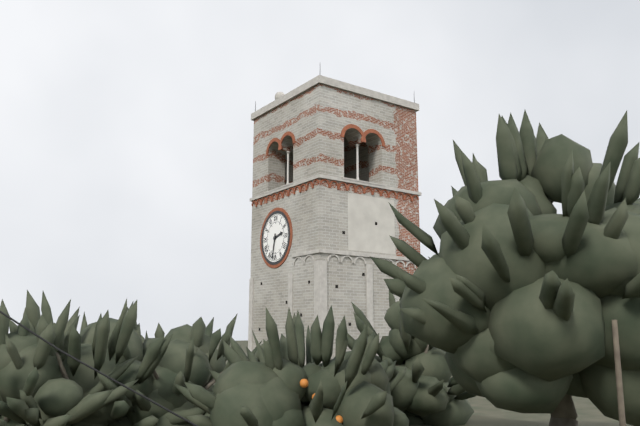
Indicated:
**2:32**
